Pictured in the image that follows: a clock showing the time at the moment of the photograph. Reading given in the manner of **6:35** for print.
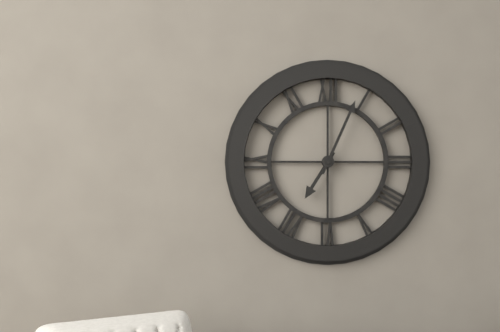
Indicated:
**7:04**
